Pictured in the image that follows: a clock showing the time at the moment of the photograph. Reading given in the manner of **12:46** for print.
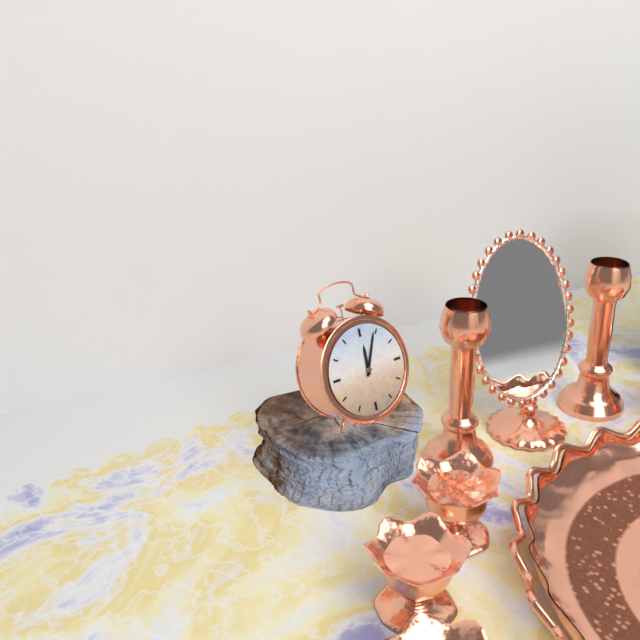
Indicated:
**12:04**
